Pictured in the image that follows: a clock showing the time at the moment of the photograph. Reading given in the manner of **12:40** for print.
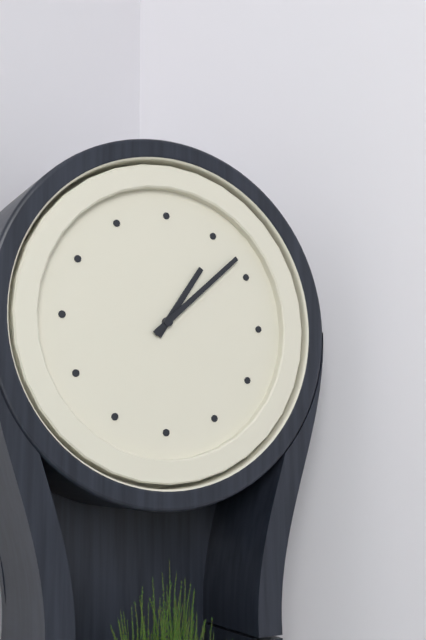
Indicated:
**1:08**
